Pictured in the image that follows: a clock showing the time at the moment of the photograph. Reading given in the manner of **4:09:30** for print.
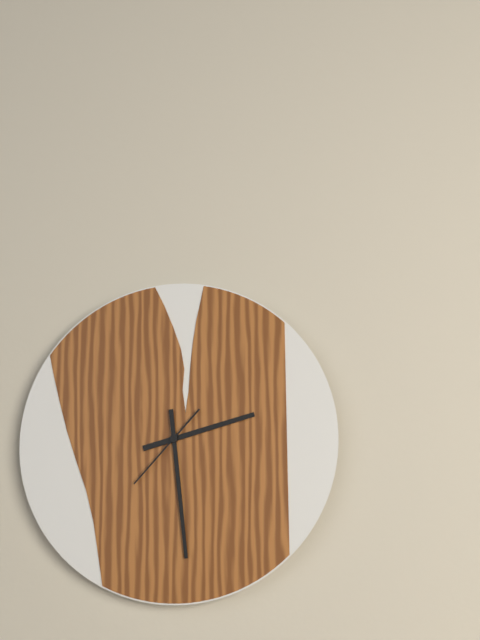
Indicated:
**2:29:37**
